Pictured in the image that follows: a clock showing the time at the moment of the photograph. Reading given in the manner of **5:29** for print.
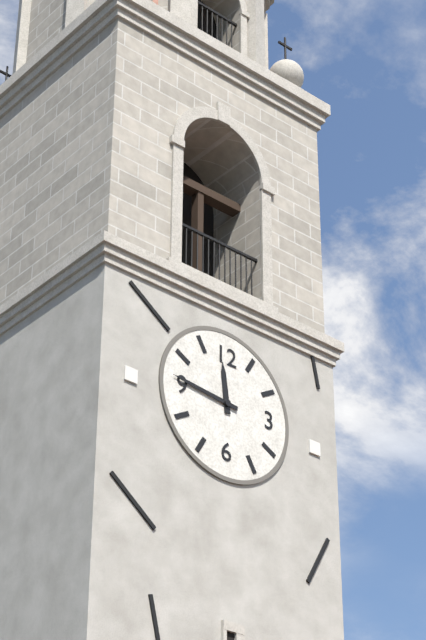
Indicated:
**11:46**
